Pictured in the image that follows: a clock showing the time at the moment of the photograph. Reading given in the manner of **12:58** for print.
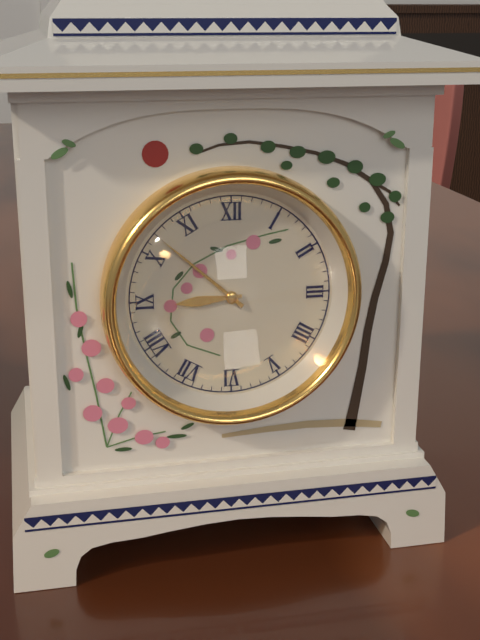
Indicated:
**8:52**
